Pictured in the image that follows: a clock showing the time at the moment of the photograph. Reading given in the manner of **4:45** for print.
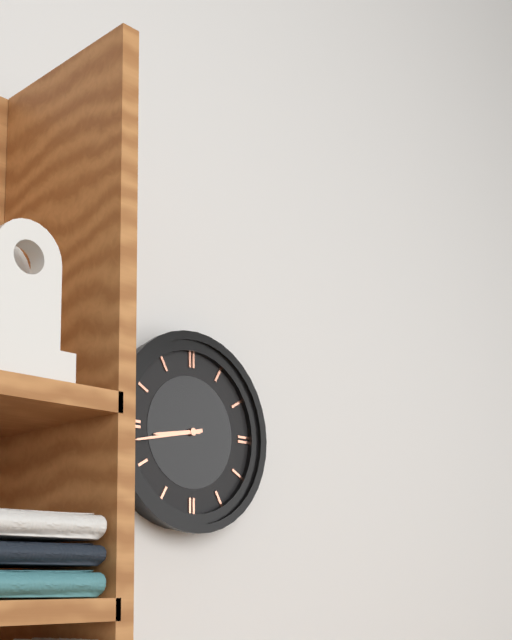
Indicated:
**8:43**
